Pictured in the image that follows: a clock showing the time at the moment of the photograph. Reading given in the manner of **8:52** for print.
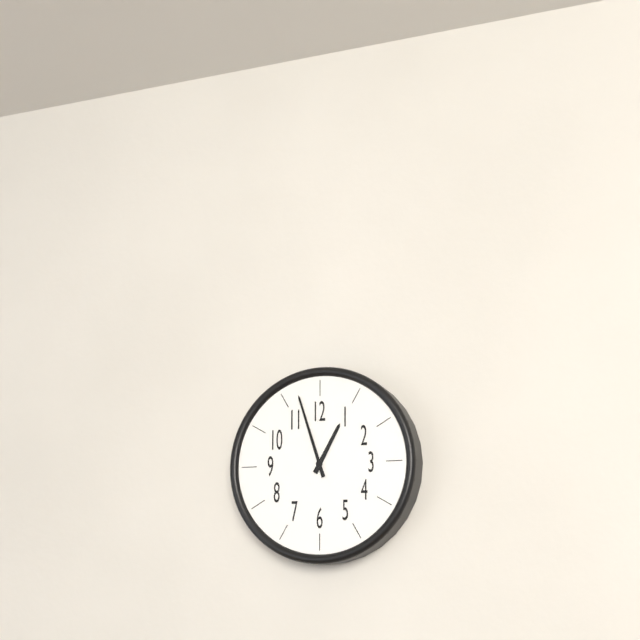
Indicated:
**12:57**
